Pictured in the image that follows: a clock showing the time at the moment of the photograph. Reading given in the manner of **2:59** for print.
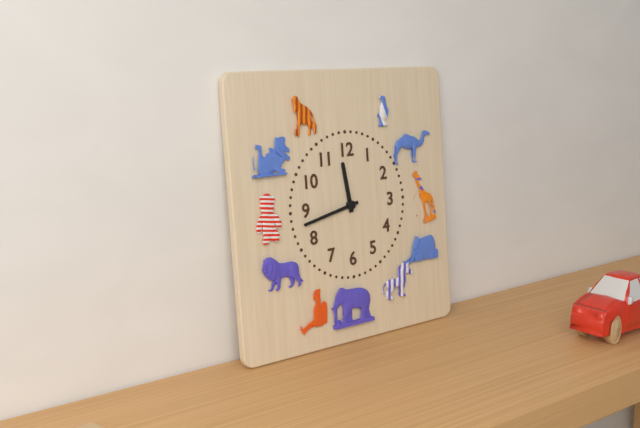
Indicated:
**11:43**
